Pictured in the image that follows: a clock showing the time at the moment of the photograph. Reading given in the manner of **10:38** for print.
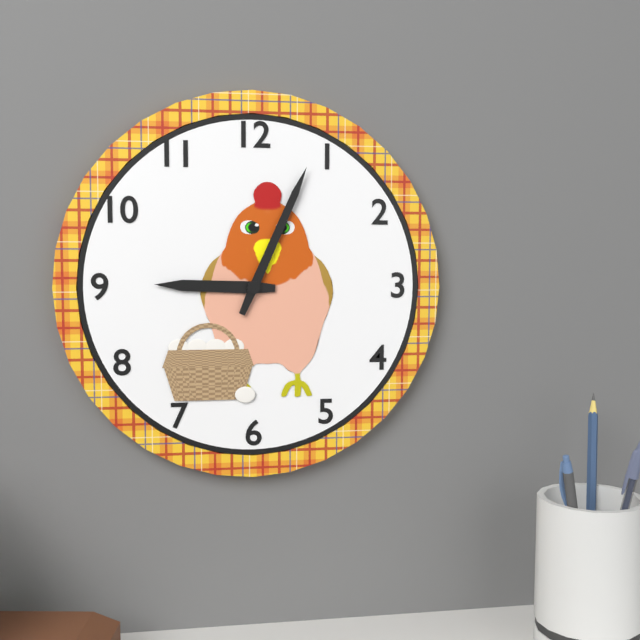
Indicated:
**9:04**
